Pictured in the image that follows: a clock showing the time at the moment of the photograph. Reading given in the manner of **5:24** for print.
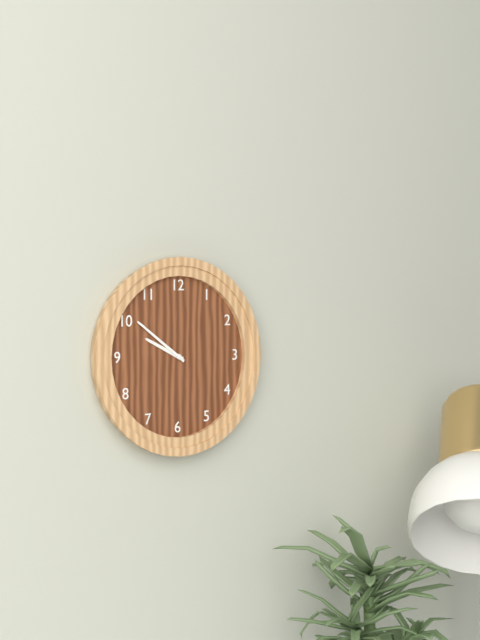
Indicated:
**9:51**
